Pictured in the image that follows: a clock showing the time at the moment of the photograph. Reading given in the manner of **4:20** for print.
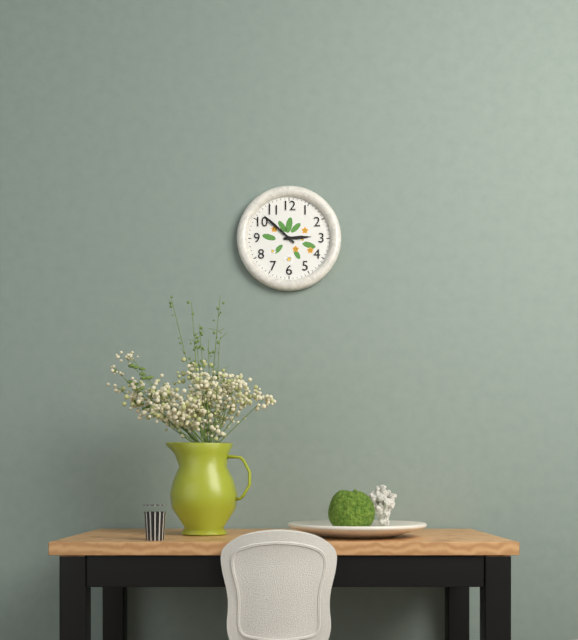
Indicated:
**2:52**
